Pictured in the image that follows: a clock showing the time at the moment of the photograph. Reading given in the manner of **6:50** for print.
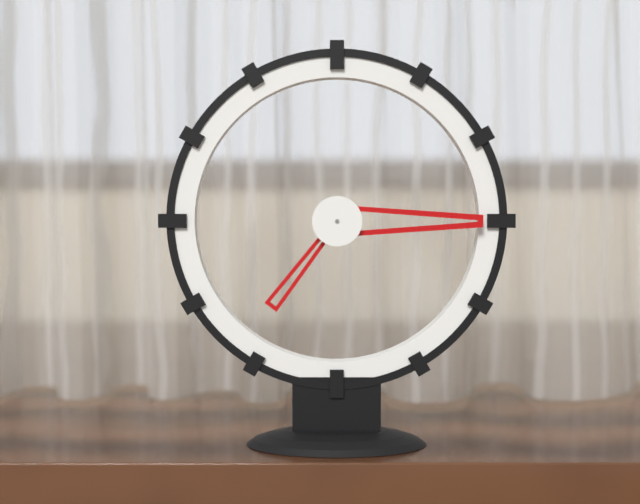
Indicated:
**7:15**
